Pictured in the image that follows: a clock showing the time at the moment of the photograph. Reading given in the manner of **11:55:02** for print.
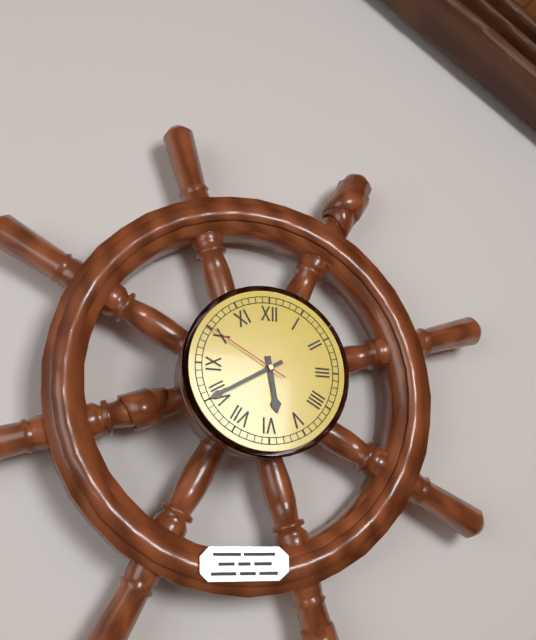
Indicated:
**5:40:50**
